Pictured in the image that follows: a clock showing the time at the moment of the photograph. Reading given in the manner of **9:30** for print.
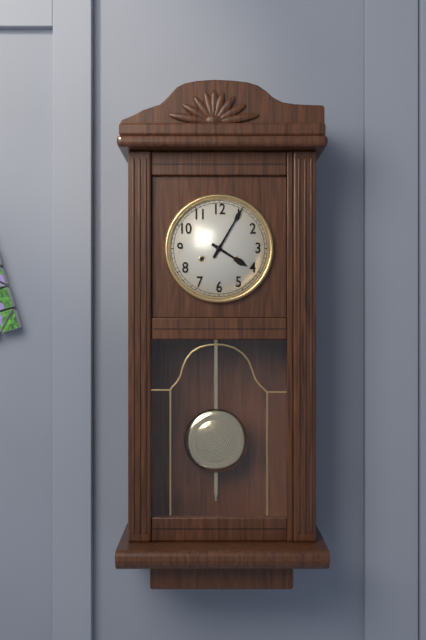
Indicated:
**4:05**
